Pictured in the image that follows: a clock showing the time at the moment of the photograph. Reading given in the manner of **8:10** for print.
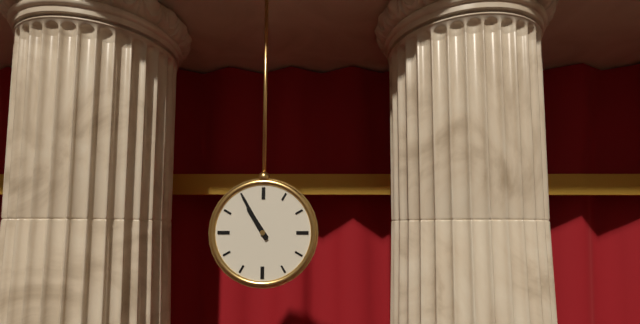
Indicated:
**10:55**
